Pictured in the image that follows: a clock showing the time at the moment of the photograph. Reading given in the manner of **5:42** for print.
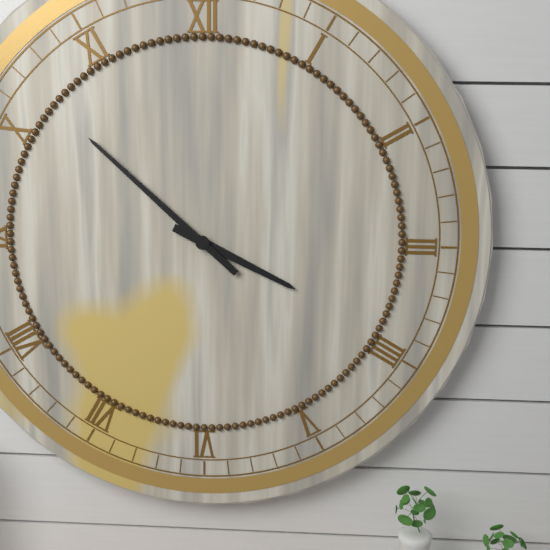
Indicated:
**3:52**
